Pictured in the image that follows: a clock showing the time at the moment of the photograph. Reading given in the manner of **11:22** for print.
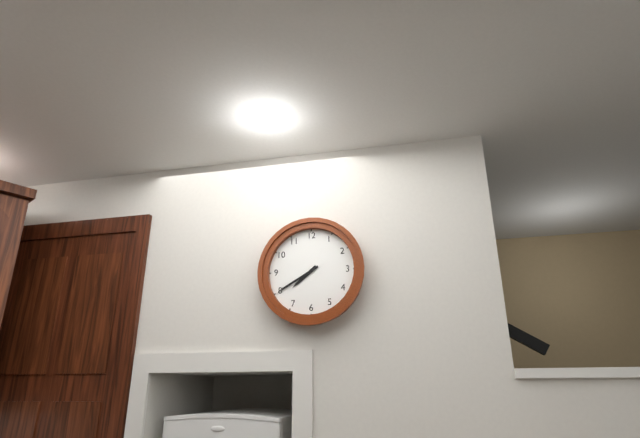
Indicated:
**7:40**
